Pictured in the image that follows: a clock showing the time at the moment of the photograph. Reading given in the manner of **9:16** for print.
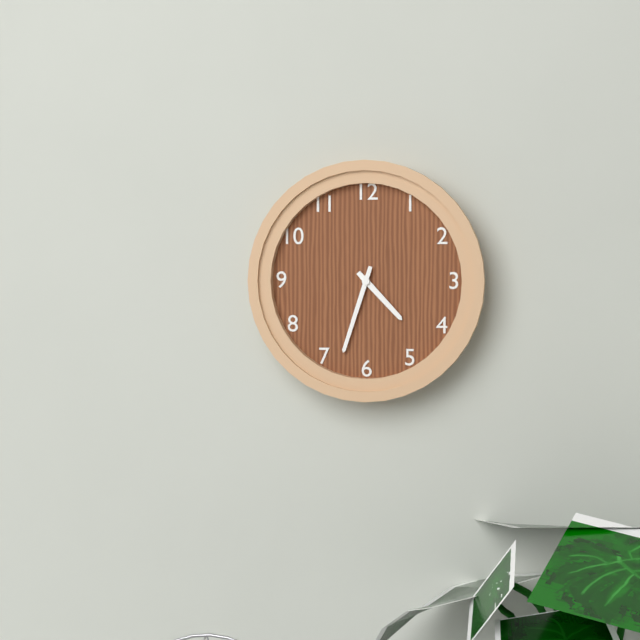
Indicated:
**4:33**
